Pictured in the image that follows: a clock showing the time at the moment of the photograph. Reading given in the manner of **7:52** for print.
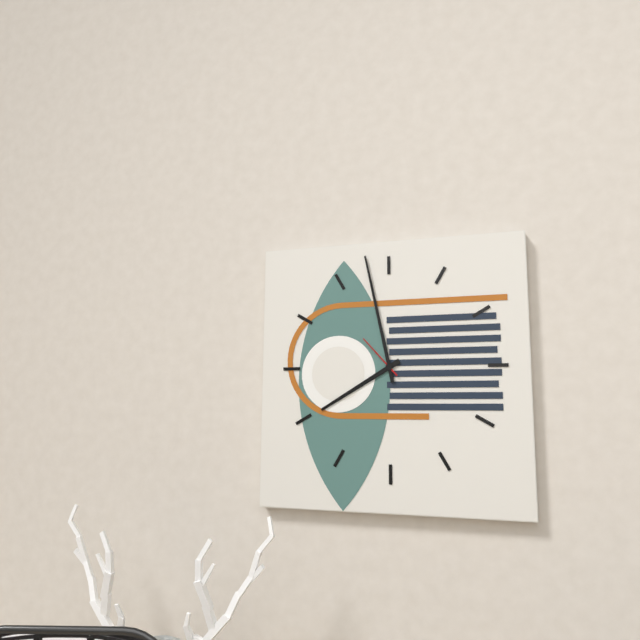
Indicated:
**7:58**
